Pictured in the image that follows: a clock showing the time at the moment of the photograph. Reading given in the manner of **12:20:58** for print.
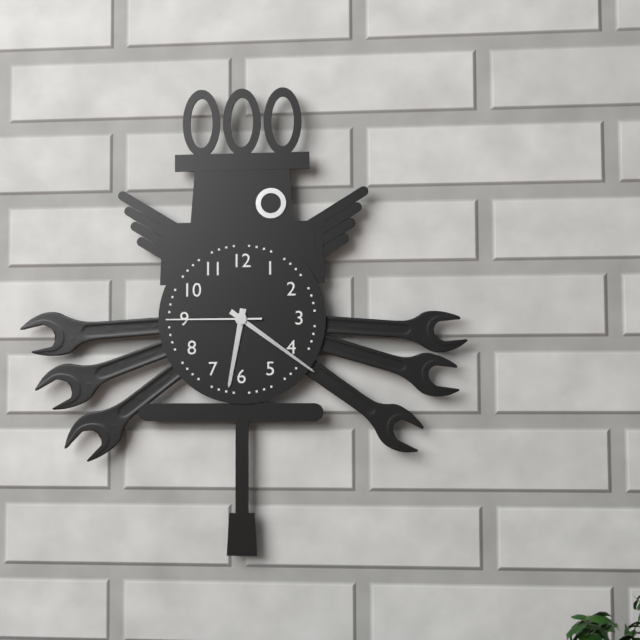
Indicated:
**6:21:45**
